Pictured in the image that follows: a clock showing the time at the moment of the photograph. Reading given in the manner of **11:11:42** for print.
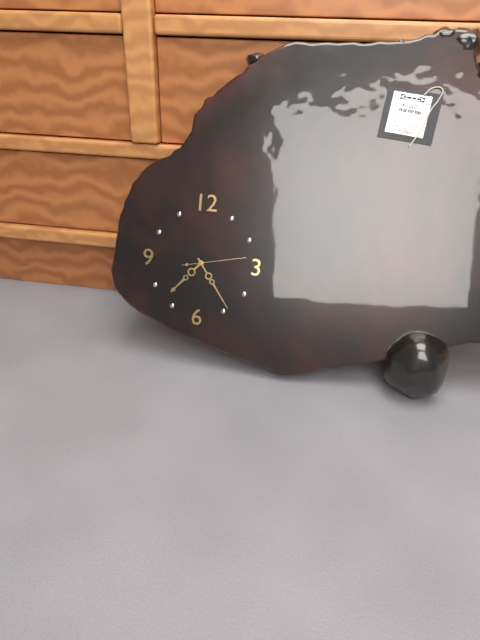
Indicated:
**7:24:13**
